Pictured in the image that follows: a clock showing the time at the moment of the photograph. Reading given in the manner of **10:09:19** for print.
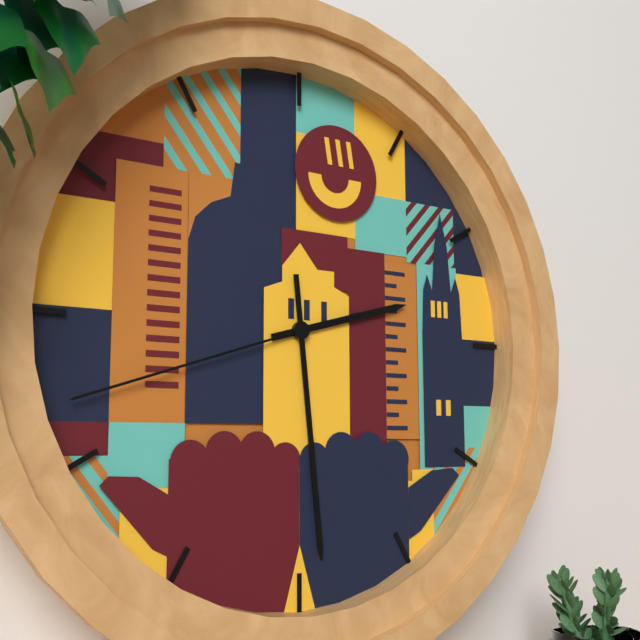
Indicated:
**2:29:42**
